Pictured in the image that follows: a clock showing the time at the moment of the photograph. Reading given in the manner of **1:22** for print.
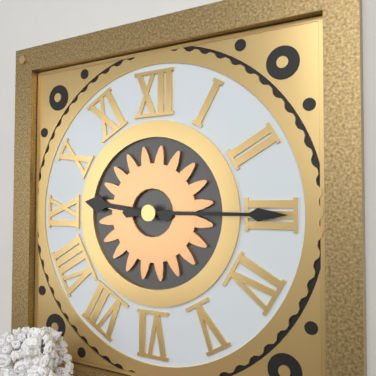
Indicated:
**9:15**
